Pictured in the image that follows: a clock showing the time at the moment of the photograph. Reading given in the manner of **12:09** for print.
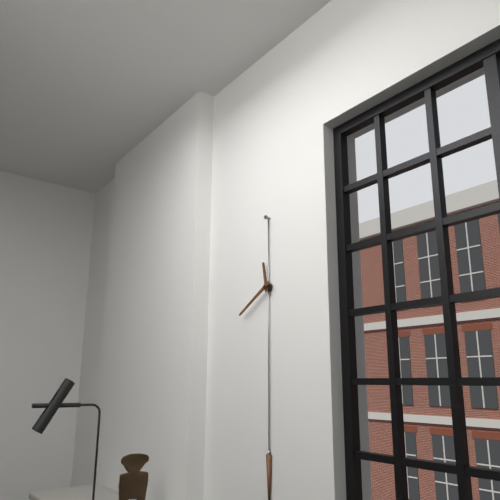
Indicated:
**11:40**
